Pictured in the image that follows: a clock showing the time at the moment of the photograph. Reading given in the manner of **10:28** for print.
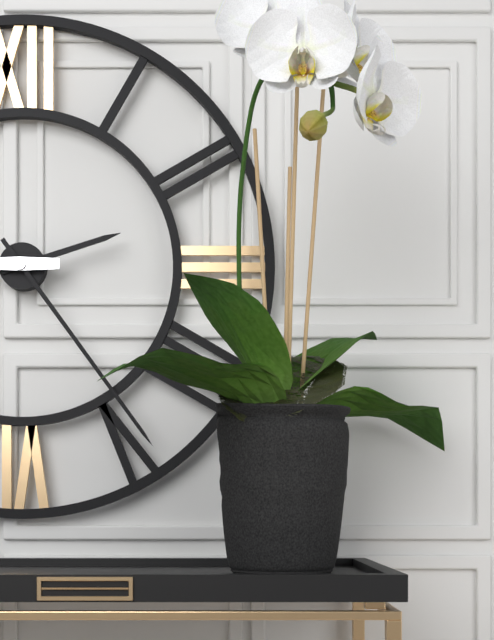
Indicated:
**2:24**
